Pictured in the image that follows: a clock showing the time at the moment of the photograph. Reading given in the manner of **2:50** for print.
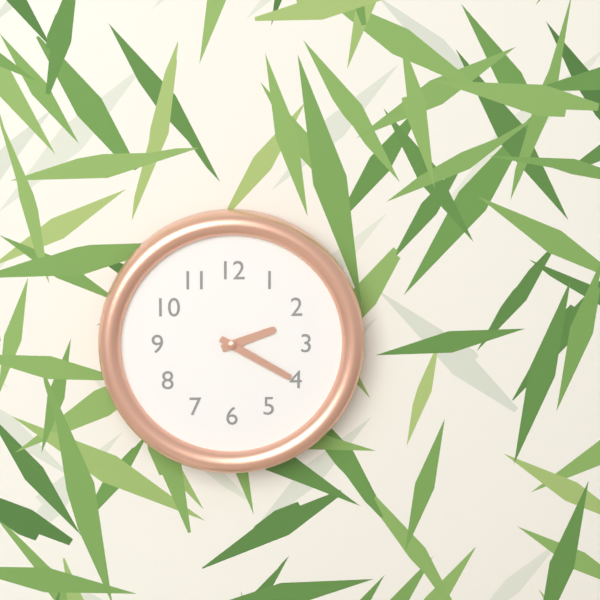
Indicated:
**2:20**
